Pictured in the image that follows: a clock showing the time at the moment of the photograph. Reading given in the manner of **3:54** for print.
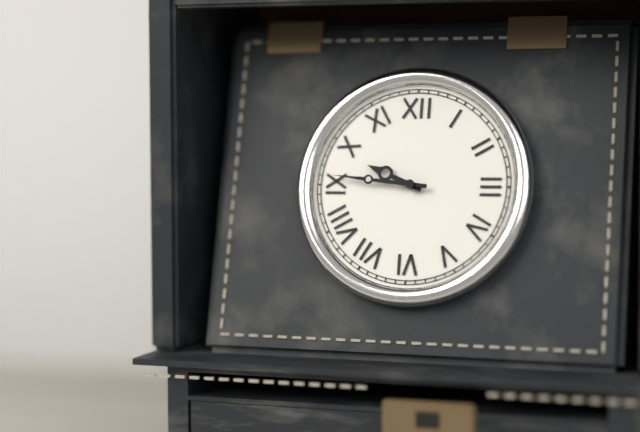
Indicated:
**9:46**
